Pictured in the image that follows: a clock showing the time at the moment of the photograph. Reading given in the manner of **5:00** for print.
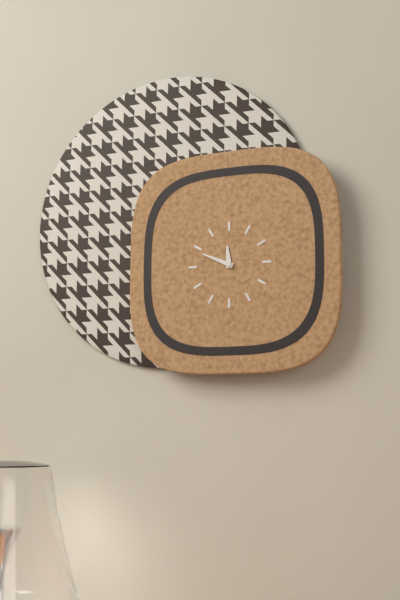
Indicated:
**11:49**
